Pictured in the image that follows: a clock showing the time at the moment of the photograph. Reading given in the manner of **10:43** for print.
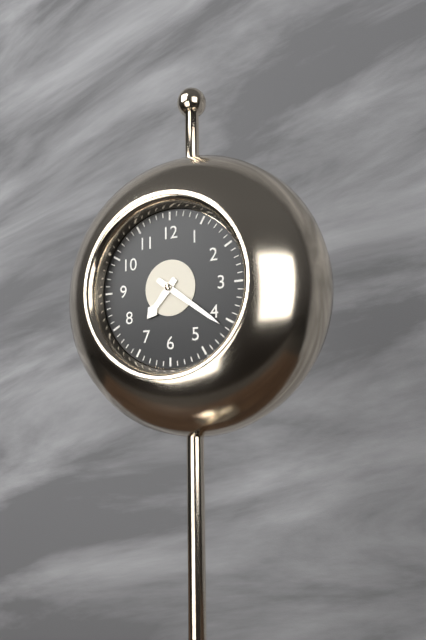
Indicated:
**7:21**
